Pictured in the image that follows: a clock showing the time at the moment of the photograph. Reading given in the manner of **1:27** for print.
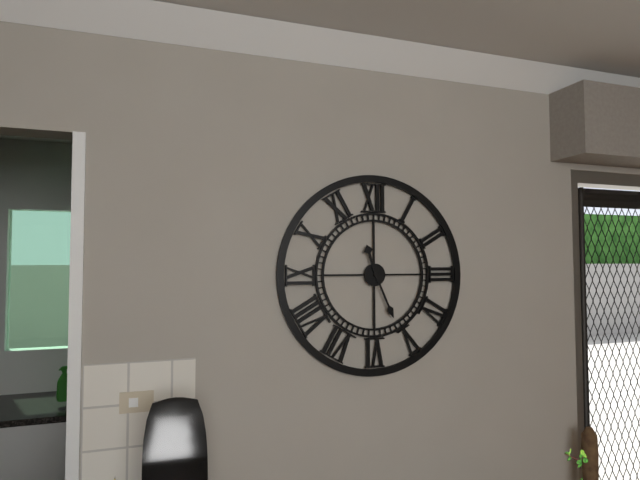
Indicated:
**11:26**
